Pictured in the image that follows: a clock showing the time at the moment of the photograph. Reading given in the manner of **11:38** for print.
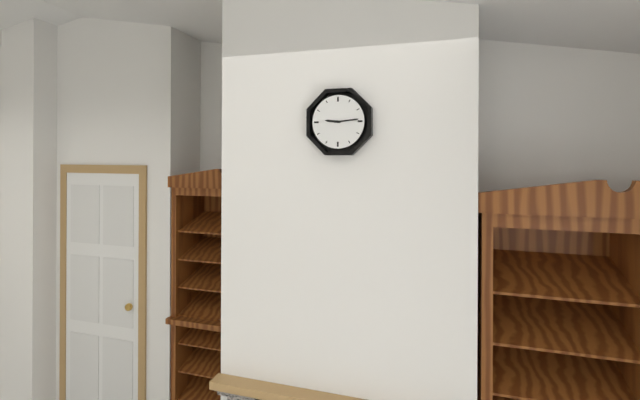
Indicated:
**9:14**
